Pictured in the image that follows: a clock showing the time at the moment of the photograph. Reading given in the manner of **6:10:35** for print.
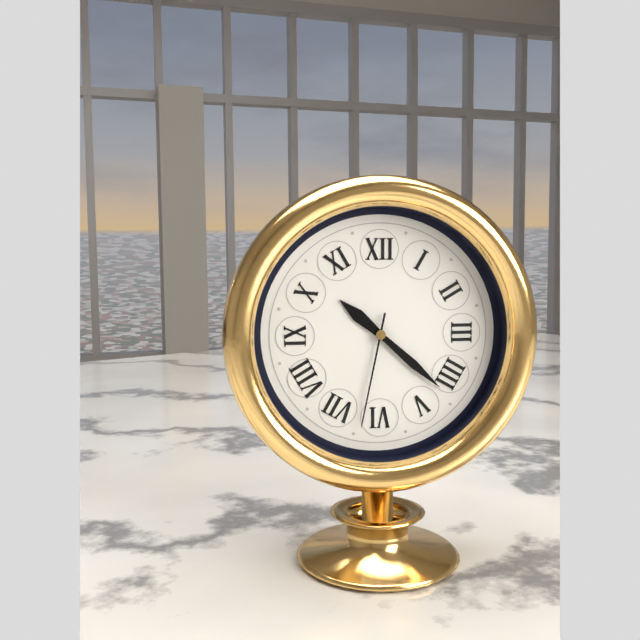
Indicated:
**10:22:32**
